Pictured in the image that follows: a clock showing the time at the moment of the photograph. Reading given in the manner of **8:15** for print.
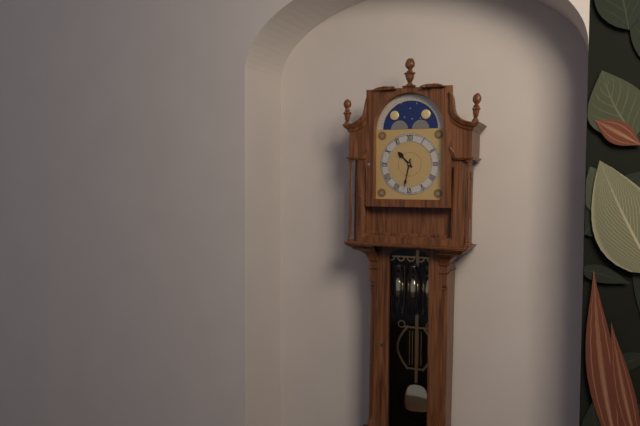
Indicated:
**10:32**
